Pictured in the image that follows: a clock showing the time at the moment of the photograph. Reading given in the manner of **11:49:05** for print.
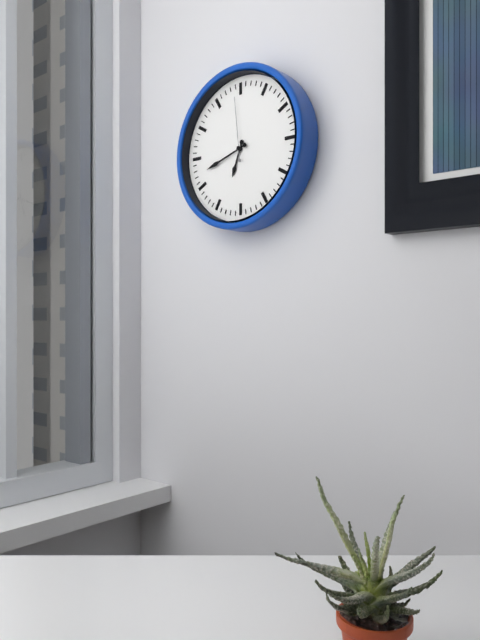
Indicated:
**6:42:59**
